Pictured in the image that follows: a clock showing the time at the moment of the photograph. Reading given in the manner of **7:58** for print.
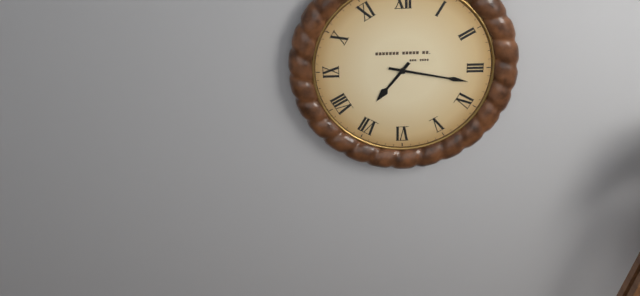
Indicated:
**7:17**
